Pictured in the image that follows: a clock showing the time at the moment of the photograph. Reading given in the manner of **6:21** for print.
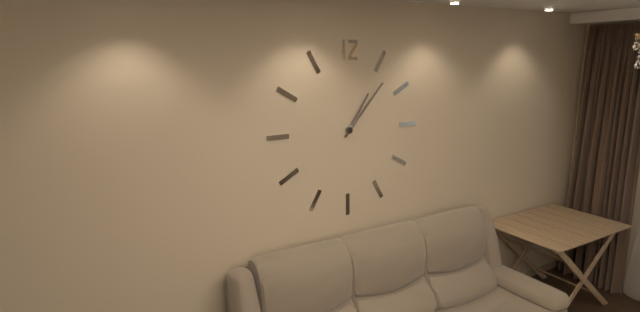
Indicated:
**1:07**
